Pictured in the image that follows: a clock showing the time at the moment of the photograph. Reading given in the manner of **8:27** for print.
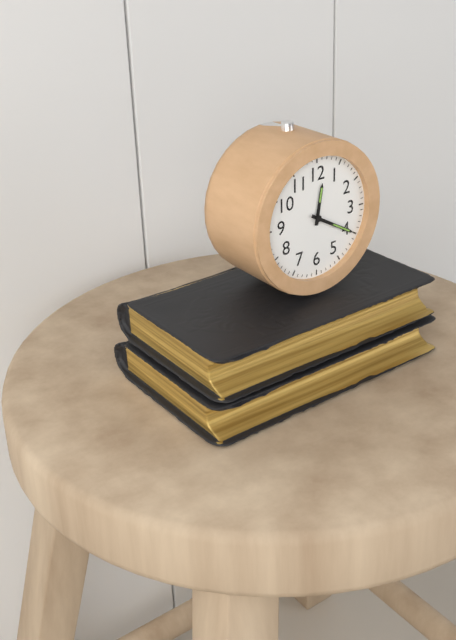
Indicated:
**12:20**
